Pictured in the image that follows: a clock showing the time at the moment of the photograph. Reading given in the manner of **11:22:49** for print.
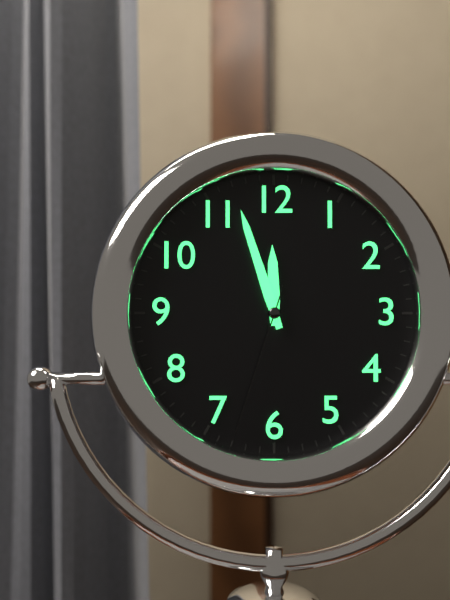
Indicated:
**11:57:33**
